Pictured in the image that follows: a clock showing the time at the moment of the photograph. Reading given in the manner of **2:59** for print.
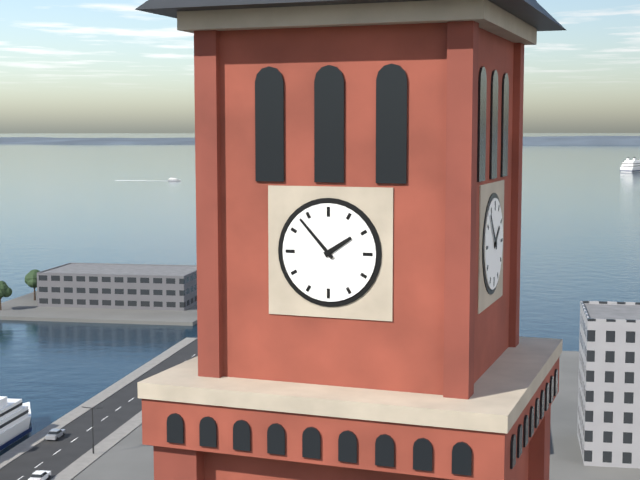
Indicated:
**1:53**
